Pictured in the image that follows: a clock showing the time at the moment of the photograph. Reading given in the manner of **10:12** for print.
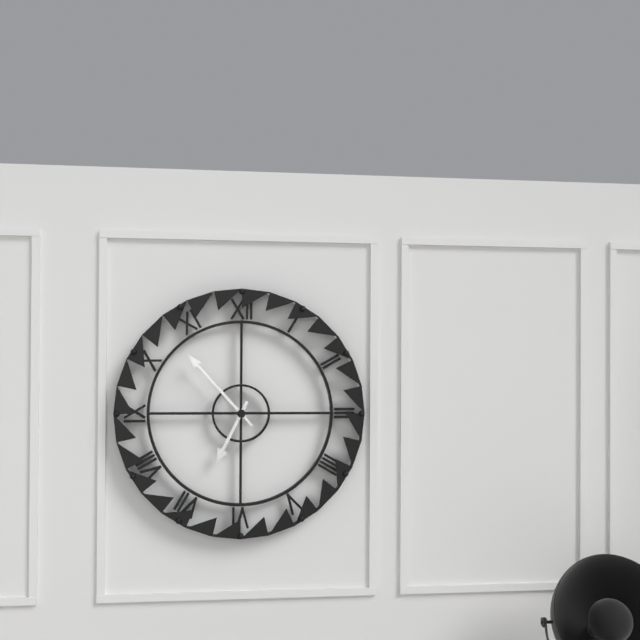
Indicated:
**6:53**
